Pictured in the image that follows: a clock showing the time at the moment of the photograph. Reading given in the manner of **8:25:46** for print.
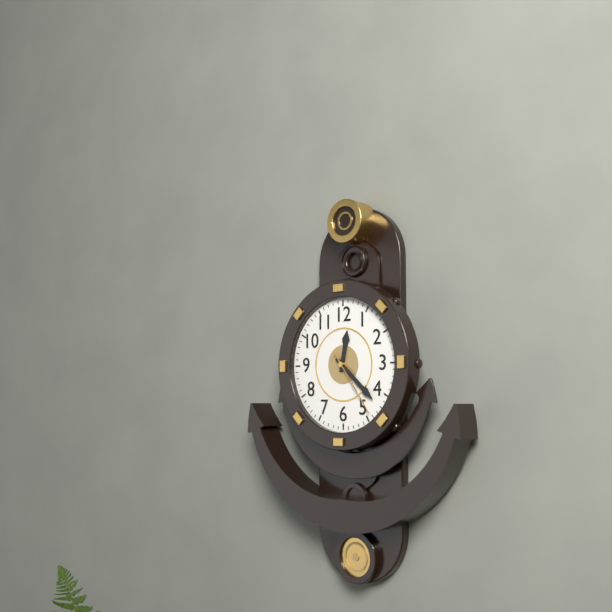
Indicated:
**12:22:24**
